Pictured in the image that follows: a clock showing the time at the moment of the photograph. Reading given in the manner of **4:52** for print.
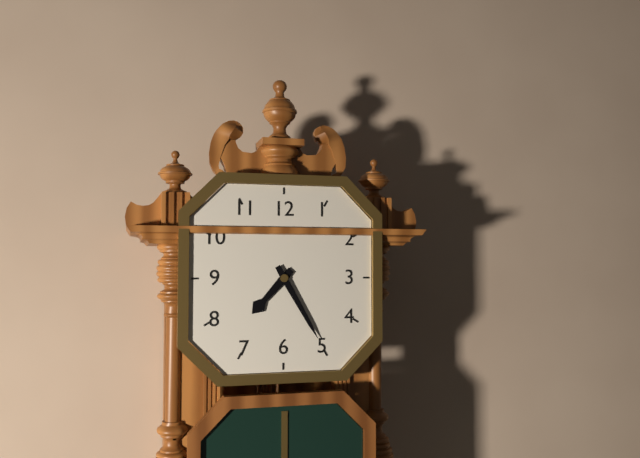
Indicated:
**7:25**
